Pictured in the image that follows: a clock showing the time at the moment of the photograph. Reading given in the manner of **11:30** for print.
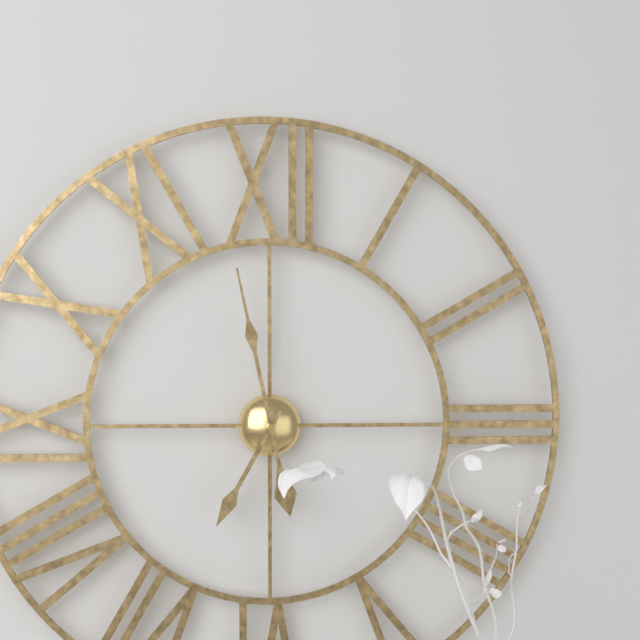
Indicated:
**6:58**
